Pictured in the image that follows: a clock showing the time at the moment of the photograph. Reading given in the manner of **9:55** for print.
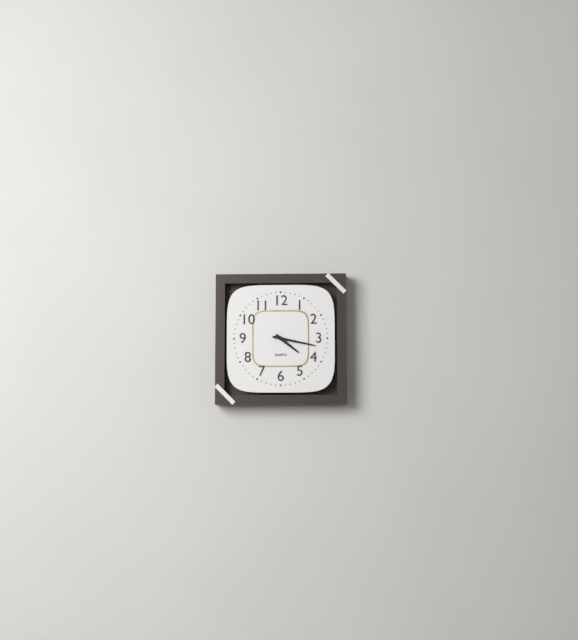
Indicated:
**4:17**
